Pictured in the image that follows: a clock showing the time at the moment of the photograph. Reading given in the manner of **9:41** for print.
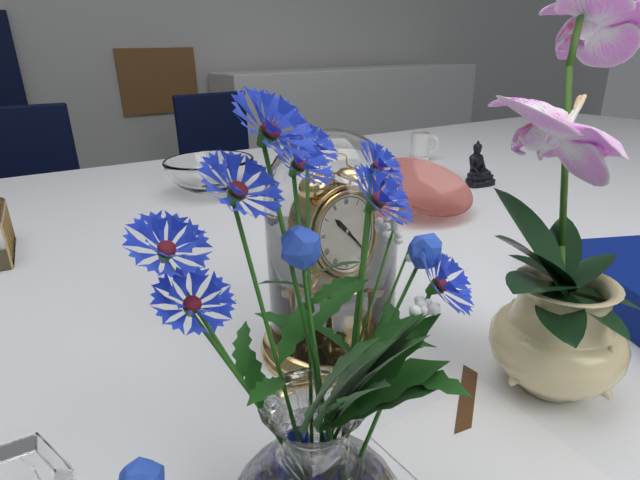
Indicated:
**10:22**
